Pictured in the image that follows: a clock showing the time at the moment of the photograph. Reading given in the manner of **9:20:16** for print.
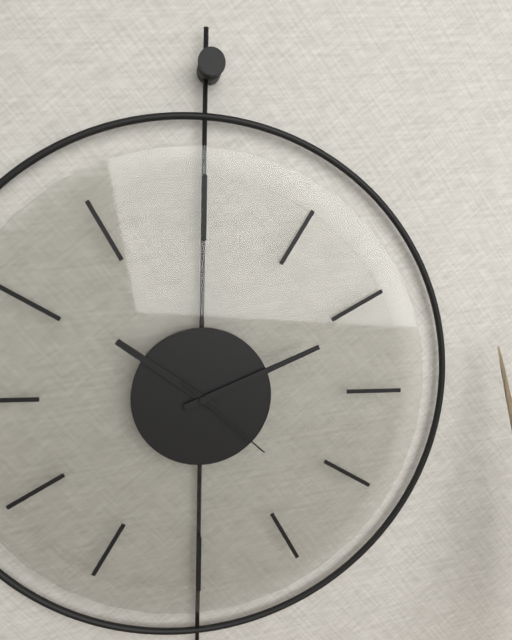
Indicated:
**10:11:22**
